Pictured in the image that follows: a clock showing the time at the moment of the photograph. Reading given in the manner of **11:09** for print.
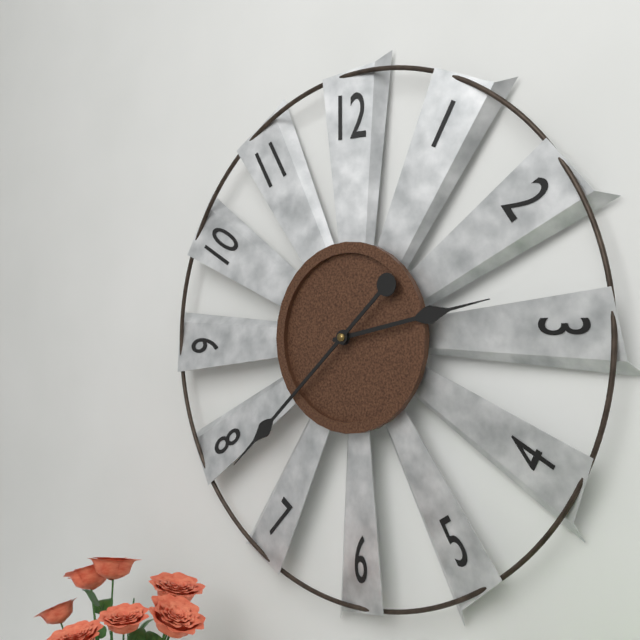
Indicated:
**2:38**
